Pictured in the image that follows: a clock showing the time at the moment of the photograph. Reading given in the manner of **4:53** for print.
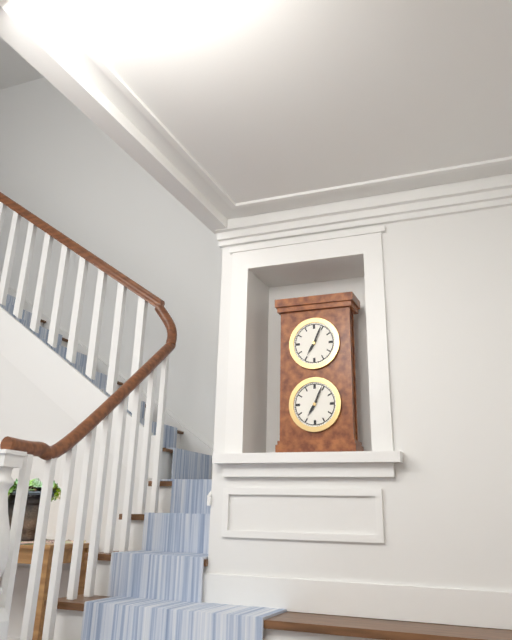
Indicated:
**7:04**
